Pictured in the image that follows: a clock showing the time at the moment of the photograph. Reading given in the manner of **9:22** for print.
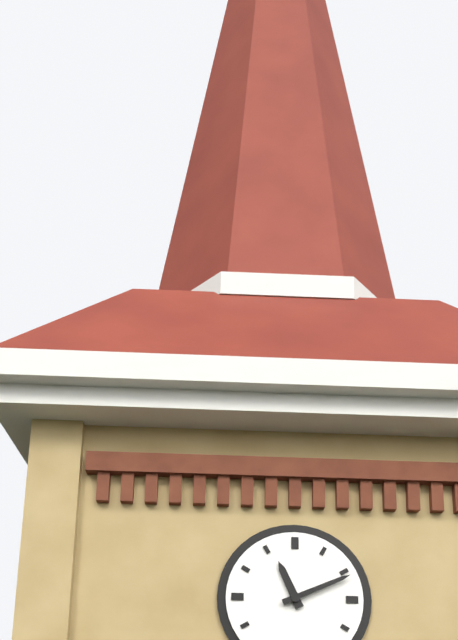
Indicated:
**11:11**
